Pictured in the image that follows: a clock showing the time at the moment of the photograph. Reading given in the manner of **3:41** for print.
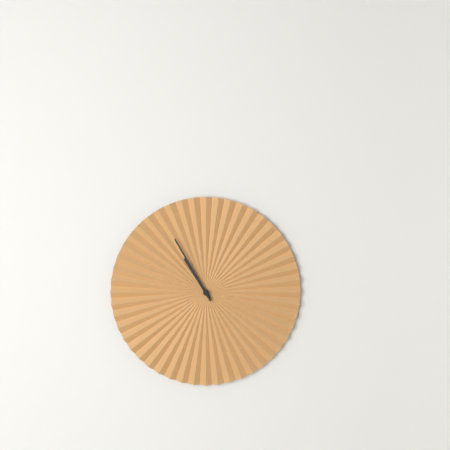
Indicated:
**10:55**
